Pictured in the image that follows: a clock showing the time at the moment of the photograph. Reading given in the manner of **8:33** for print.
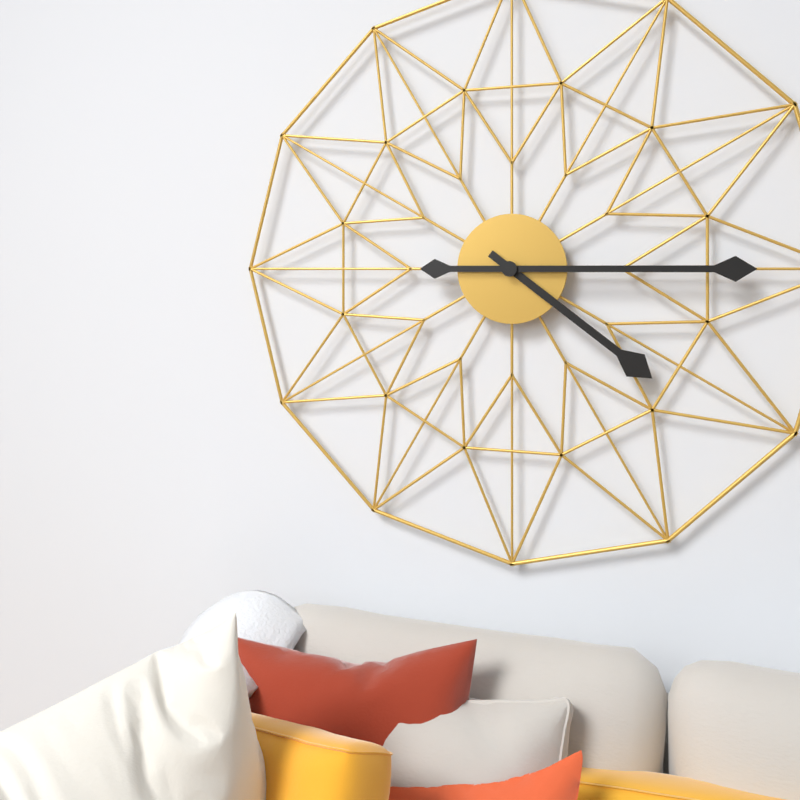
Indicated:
**4:15**
